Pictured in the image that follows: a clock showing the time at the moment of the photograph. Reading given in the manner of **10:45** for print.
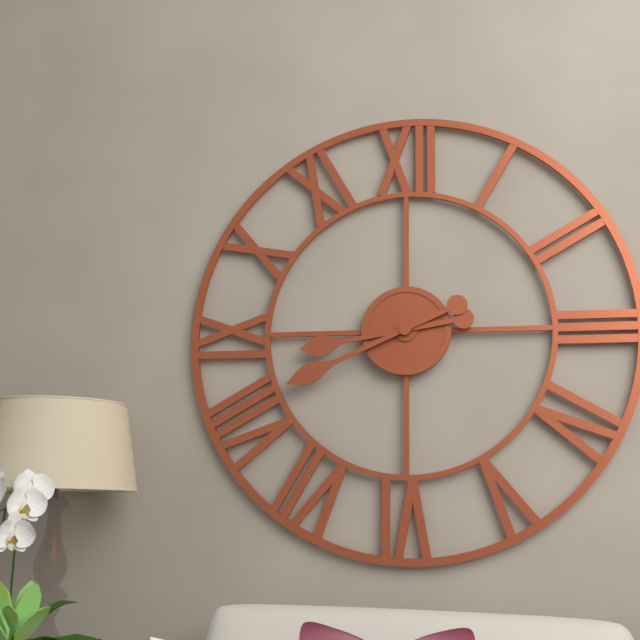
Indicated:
**8:41**
